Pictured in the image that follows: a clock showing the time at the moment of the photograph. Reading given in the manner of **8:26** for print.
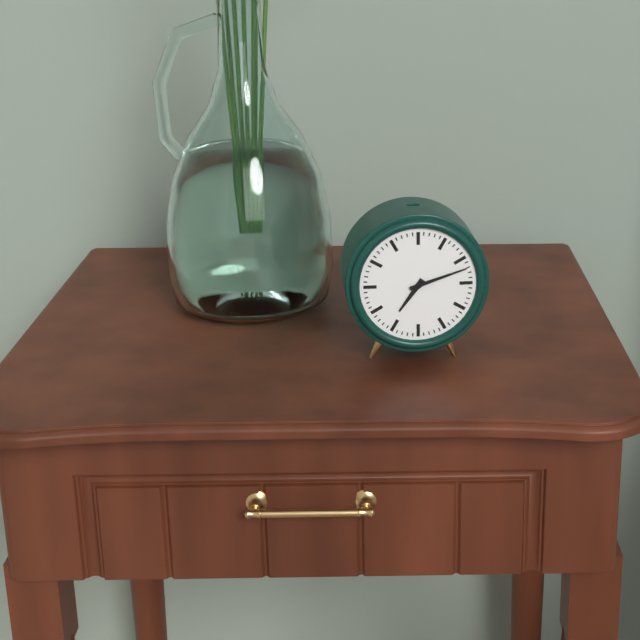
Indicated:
**7:12**
